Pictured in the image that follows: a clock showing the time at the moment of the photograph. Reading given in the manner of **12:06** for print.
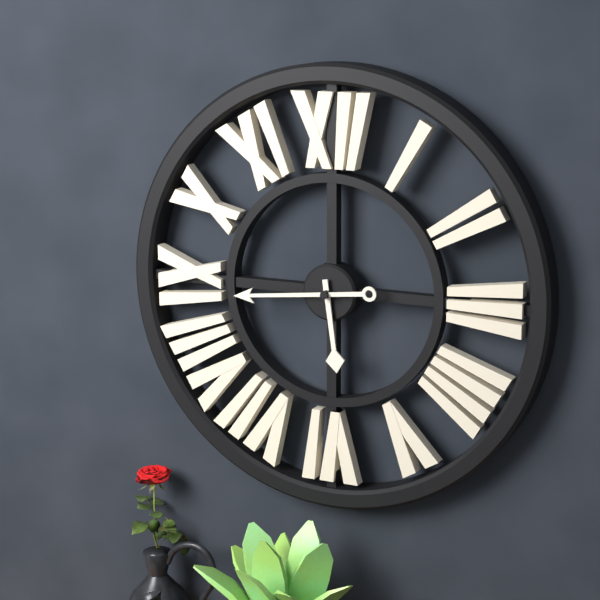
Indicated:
**5:44**
